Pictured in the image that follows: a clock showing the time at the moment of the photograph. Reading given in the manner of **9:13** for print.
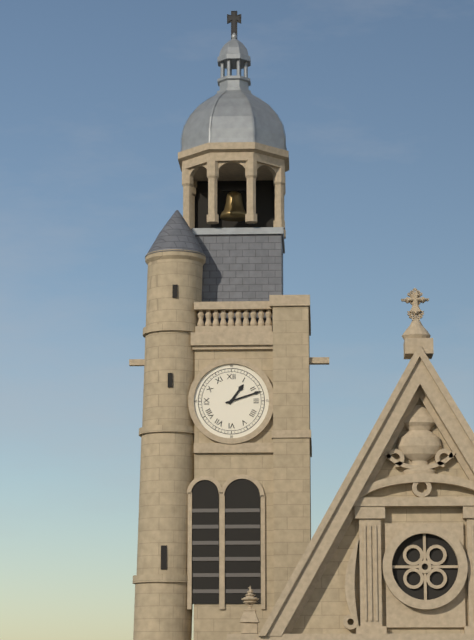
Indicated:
**1:12**
